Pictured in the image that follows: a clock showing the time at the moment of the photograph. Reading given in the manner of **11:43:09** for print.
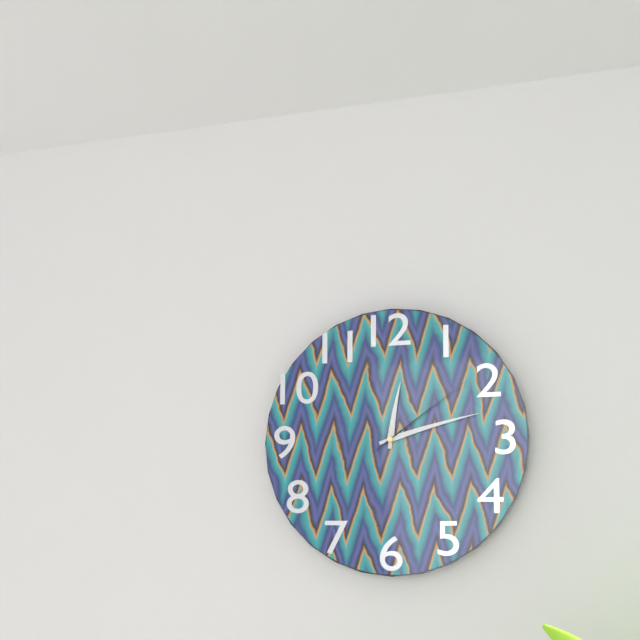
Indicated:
**12:12:09**
